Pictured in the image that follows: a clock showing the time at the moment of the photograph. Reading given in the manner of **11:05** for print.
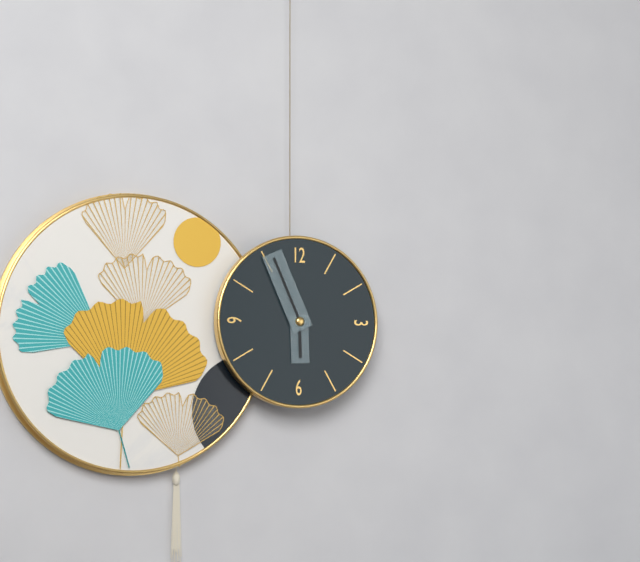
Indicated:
**5:56**
